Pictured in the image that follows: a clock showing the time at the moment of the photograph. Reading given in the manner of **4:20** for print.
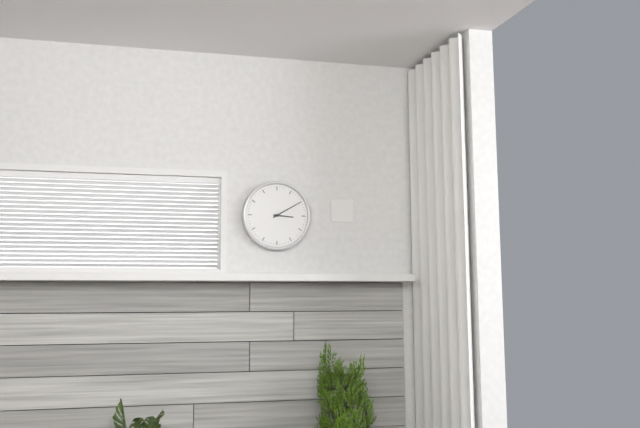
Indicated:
**3:10**
